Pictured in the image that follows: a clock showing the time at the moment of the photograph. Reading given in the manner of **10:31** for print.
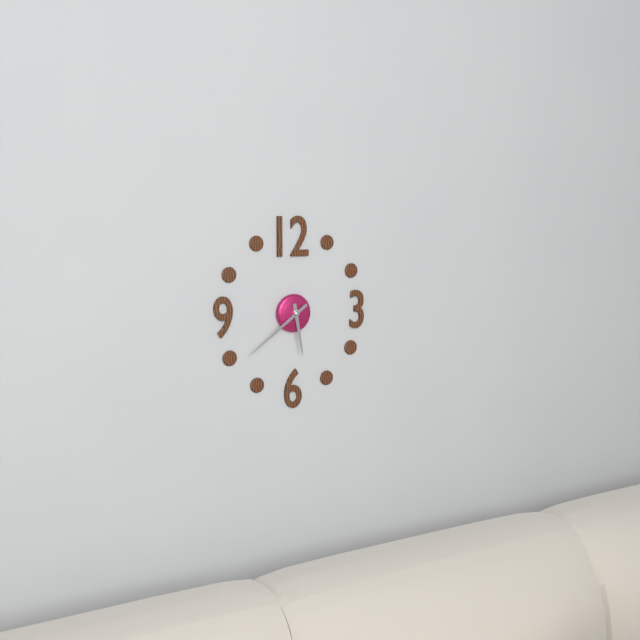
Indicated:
**5:39**
